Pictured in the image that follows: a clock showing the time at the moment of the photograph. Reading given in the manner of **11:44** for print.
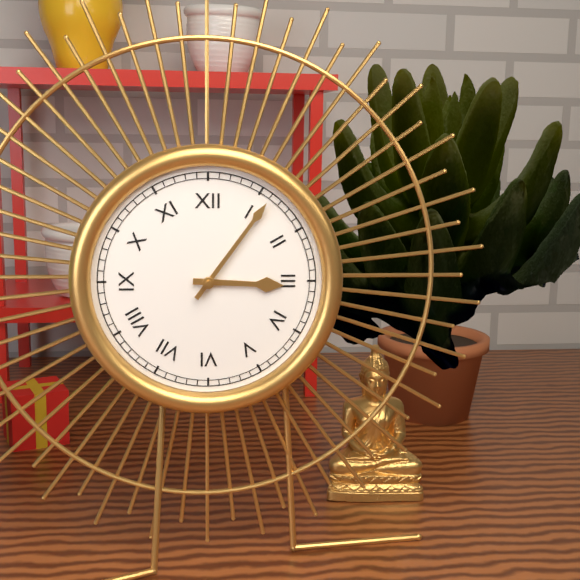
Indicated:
**3:06**
